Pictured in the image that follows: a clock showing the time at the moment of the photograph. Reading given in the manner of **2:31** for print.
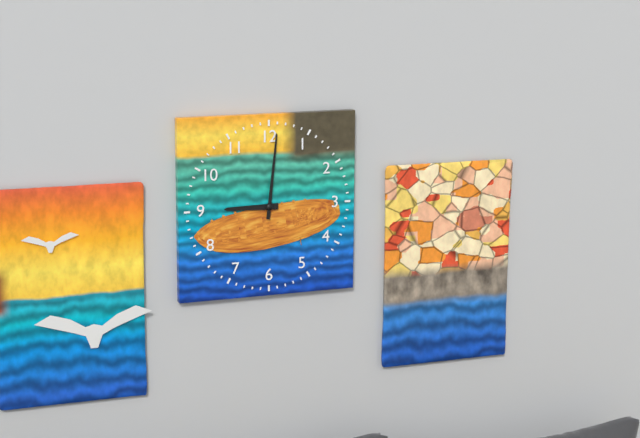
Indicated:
**9:01**
